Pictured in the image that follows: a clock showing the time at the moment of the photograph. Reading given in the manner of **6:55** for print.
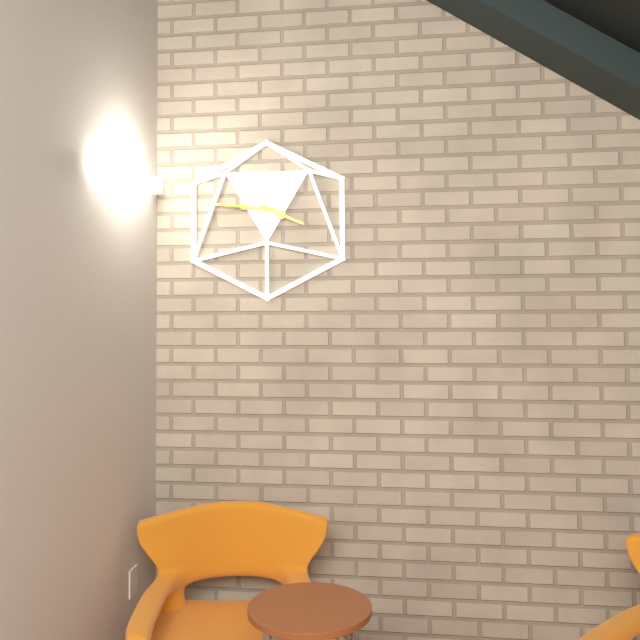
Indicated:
**3:46**
